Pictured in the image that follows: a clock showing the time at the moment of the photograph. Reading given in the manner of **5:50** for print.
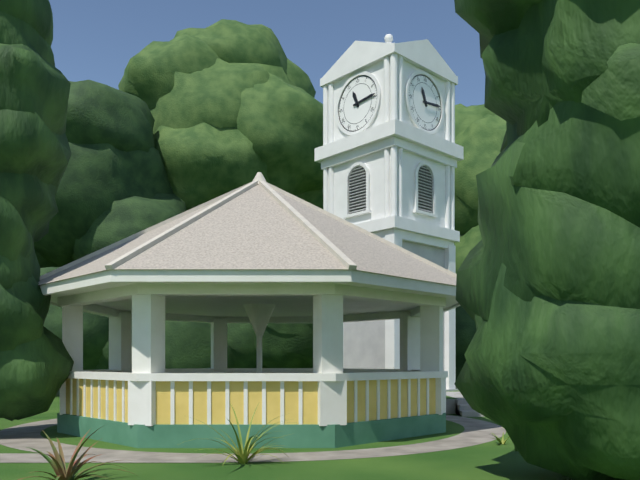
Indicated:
**11:14**
